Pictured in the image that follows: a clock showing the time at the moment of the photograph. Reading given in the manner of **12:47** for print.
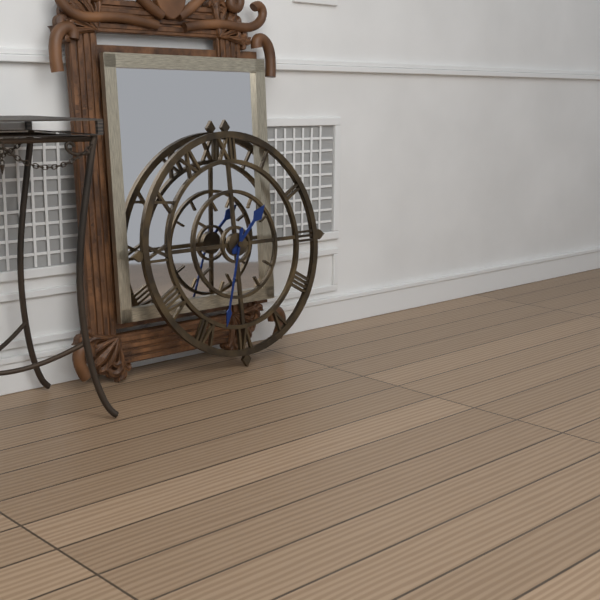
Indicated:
**1:33**
